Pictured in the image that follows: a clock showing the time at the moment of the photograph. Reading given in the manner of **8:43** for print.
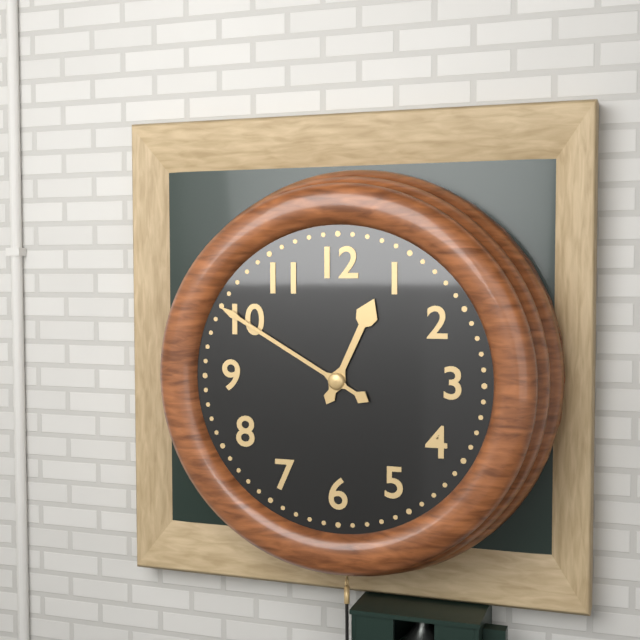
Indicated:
**12:50**
